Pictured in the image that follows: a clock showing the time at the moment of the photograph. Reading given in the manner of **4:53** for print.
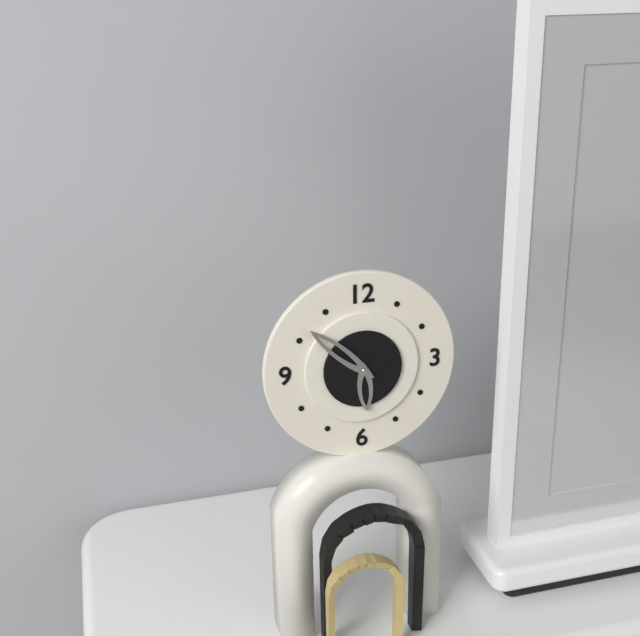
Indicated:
**5:52**
